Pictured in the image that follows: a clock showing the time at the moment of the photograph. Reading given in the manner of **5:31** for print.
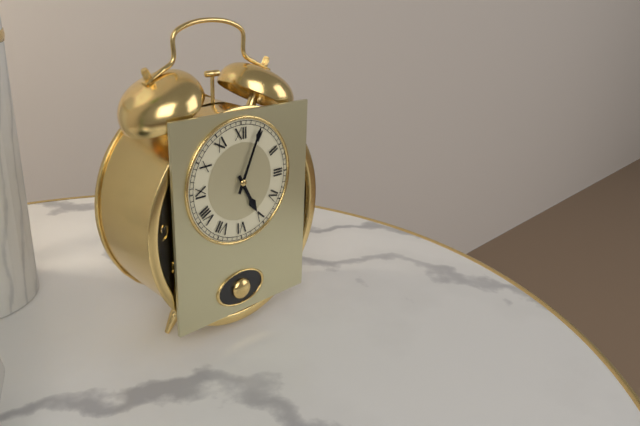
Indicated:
**5:04**
